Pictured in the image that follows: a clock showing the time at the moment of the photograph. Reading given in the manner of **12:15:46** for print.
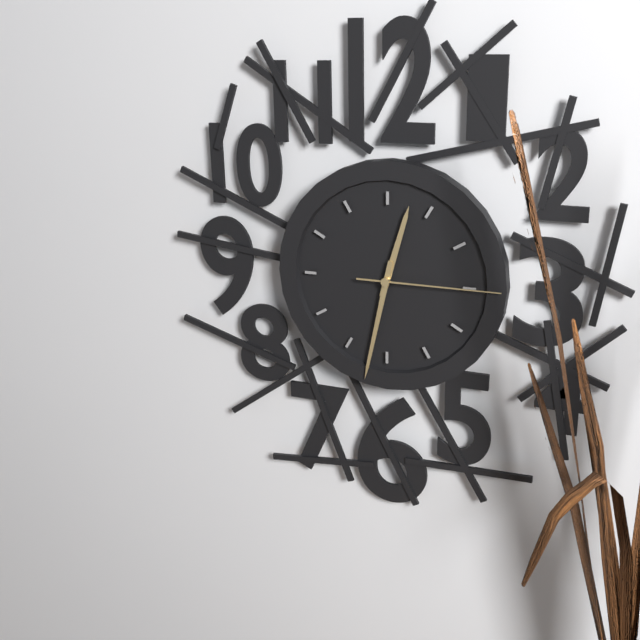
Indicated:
**12:32:15**
